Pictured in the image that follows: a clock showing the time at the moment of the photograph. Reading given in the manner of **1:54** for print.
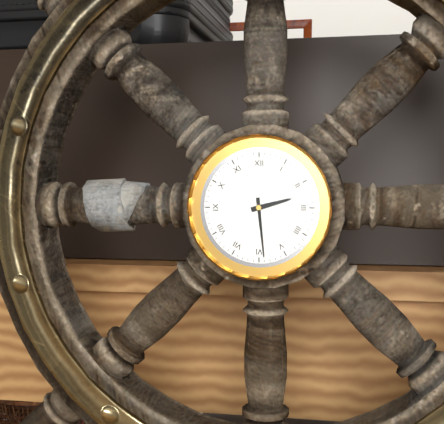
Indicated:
**2:29**
